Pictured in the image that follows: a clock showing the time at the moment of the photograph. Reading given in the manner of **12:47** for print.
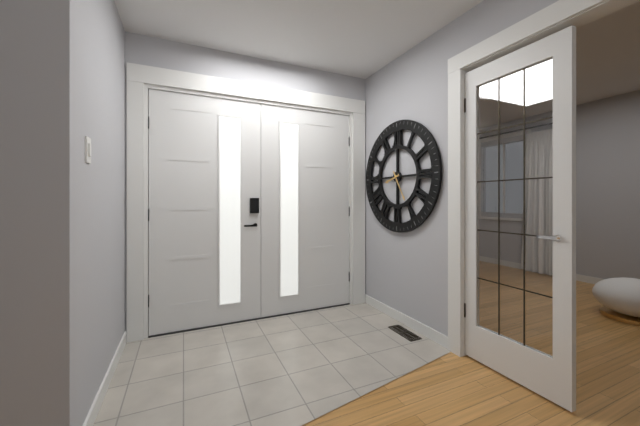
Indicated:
**8:25**
